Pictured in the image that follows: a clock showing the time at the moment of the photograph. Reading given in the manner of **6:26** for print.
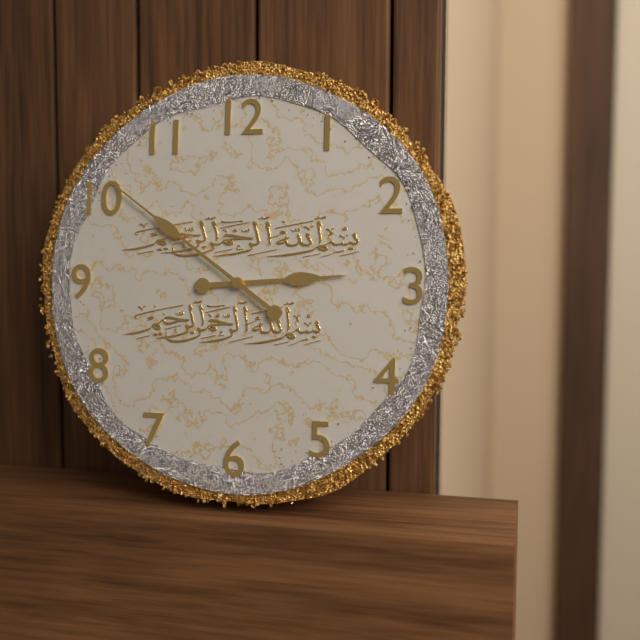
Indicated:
**2:51**
